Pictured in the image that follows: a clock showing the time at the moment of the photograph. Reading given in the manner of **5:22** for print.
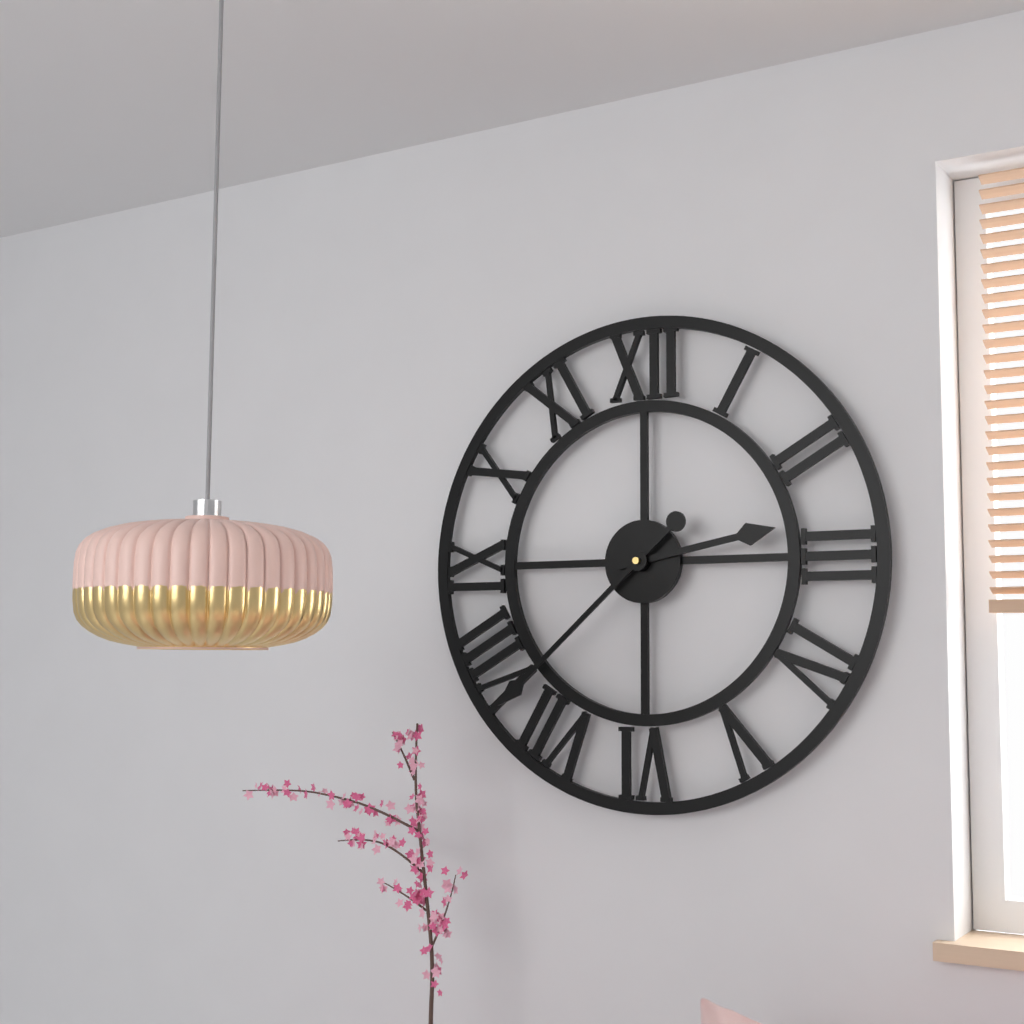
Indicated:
**2:38**
